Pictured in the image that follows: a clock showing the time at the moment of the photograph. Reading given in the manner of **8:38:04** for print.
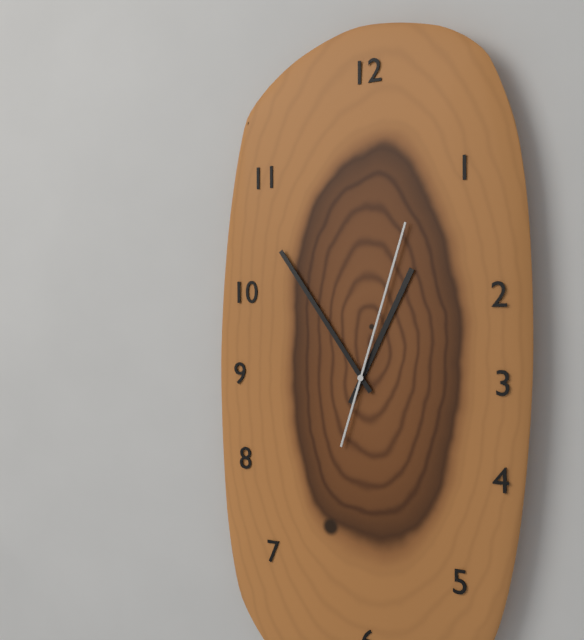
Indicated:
**12:54:03**
